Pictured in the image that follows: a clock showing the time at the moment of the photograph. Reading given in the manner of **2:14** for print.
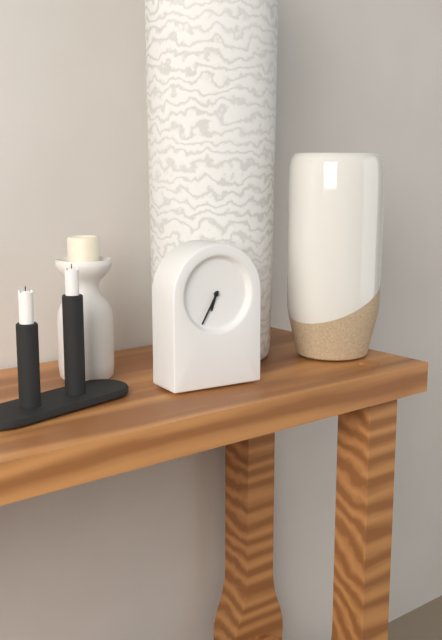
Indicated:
**6:35**
